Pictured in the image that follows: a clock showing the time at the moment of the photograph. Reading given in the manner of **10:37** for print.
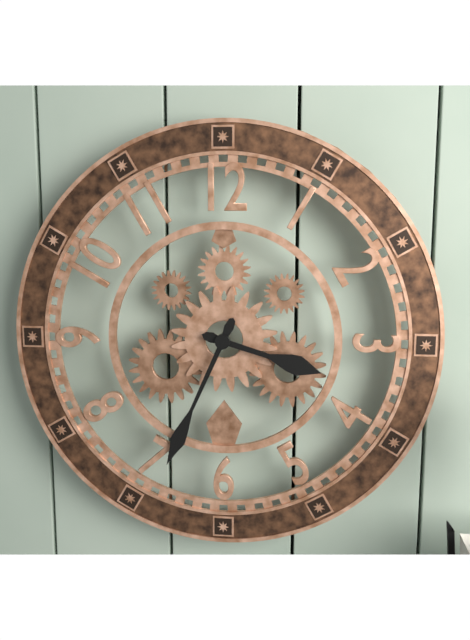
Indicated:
**3:34**
